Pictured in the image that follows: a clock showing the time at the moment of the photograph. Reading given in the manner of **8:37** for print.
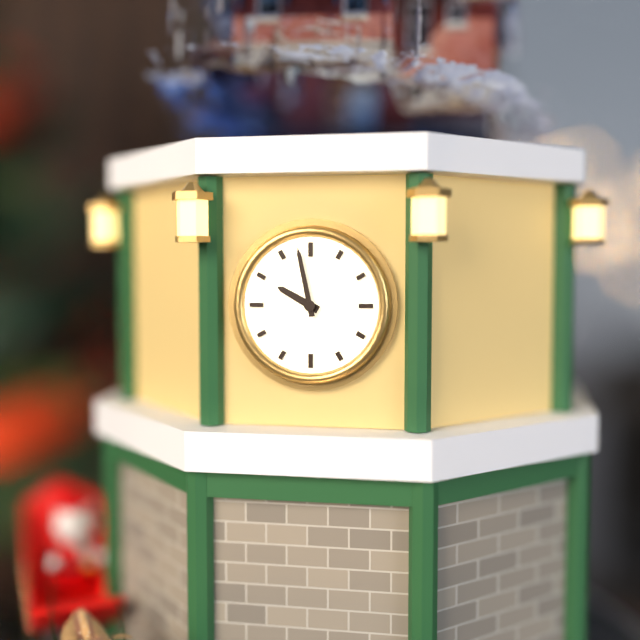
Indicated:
**9:58**
